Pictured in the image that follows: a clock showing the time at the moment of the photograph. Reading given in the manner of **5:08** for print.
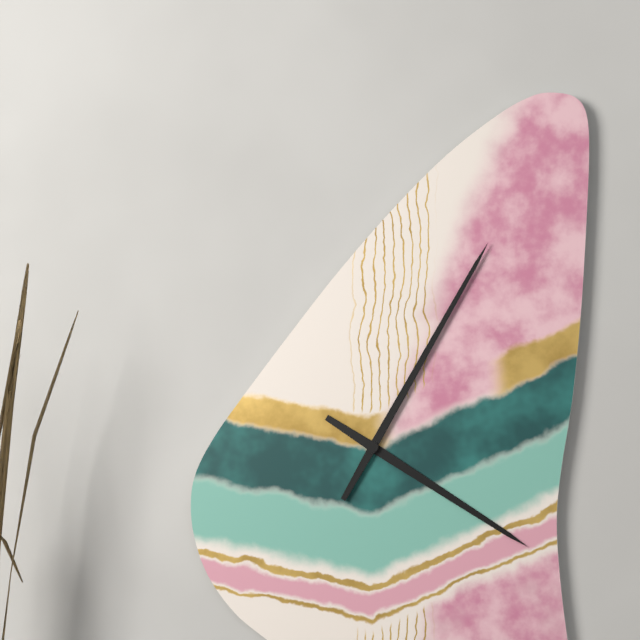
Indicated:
**4:05**
